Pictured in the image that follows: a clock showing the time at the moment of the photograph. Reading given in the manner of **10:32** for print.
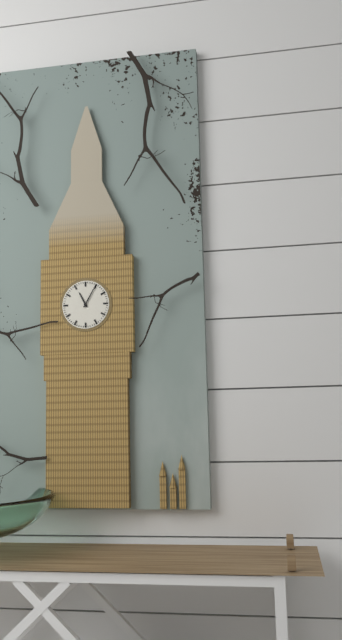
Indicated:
**11:05**
